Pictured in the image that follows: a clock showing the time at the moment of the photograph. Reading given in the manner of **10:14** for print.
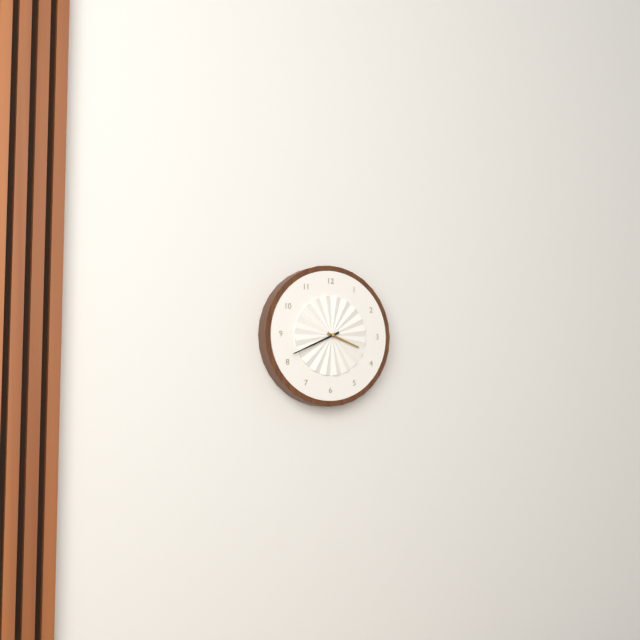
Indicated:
**3:41**
